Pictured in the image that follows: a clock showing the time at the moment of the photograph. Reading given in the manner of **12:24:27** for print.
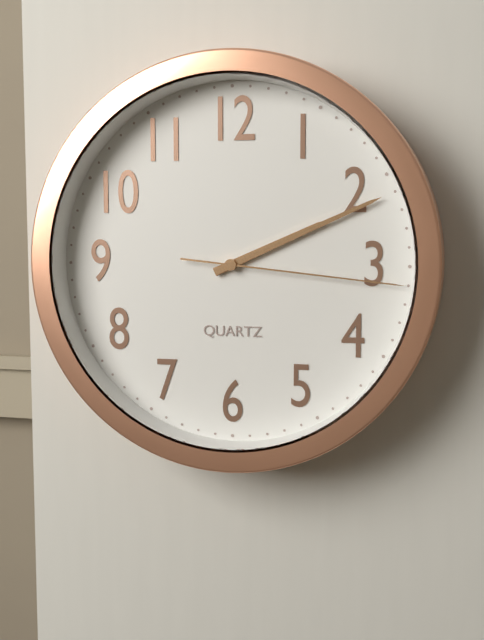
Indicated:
**2:11:16**
